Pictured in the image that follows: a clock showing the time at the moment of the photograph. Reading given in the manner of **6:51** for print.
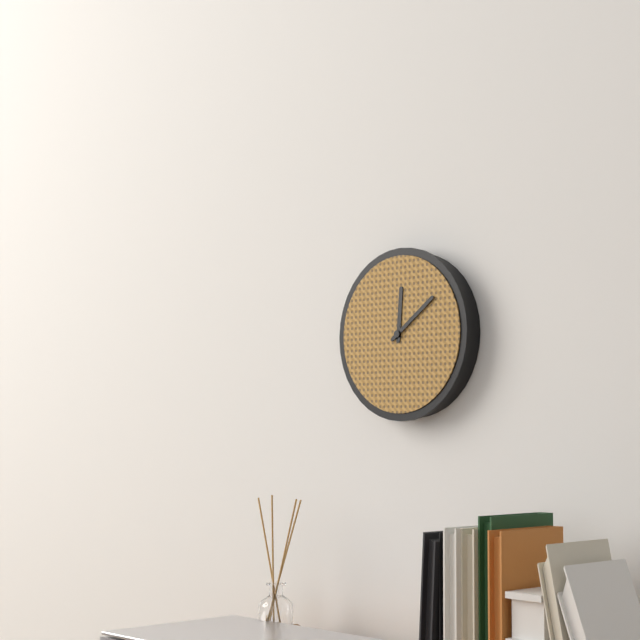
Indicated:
**12:09**
